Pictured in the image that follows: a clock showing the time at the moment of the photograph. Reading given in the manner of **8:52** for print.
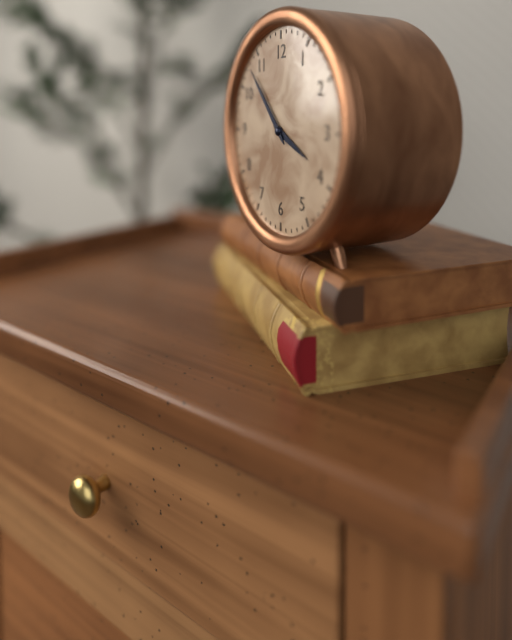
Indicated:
**3:53**
